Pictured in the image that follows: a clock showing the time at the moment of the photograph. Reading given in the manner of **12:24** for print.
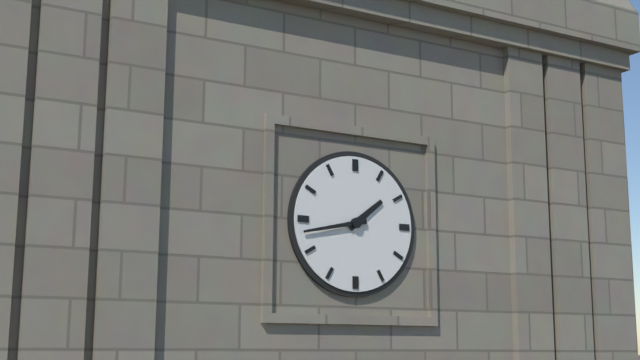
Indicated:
**1:43**
